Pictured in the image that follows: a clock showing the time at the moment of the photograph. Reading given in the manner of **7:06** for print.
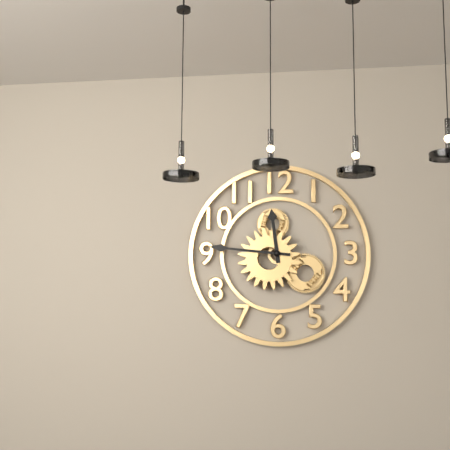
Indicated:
**11:46**
